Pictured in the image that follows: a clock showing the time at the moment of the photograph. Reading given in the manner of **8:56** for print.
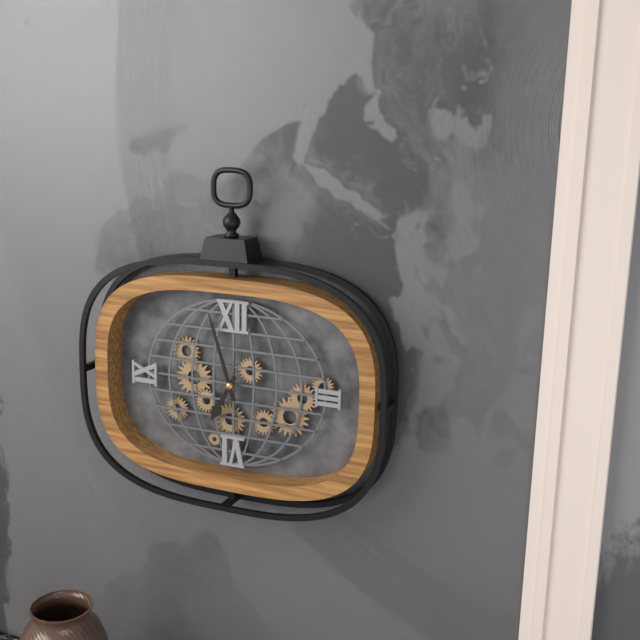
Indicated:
**6:57**
